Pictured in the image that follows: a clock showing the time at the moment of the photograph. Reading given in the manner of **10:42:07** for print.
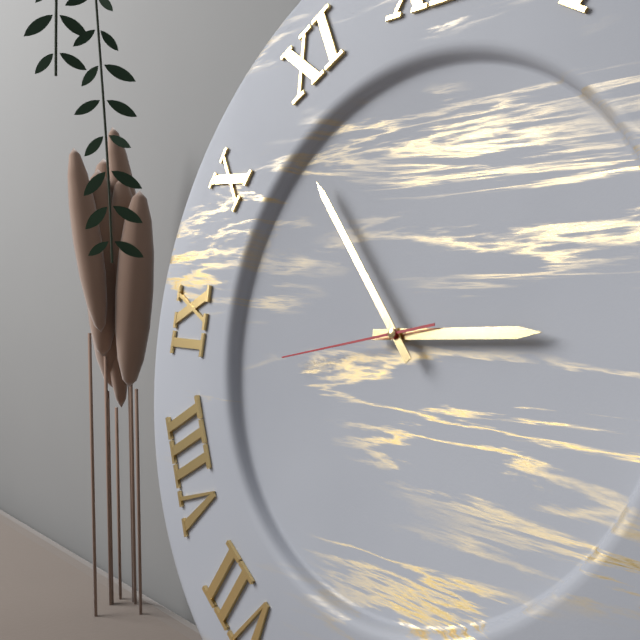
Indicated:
**2:53:43**
